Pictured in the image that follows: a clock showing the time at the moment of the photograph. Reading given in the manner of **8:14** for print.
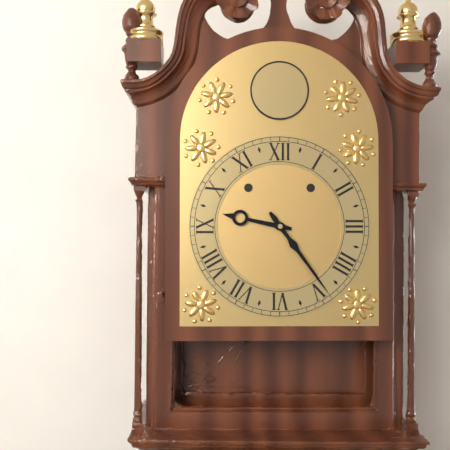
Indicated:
**9:24**
